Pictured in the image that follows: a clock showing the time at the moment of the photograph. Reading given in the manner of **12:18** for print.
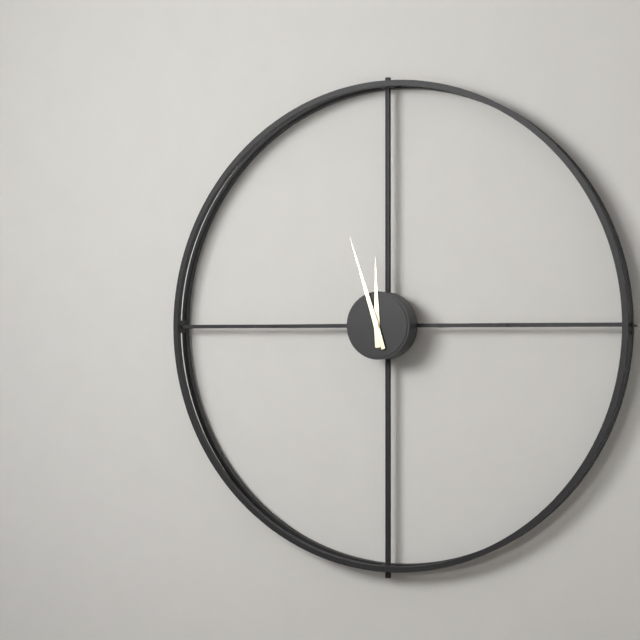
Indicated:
**11:57**
